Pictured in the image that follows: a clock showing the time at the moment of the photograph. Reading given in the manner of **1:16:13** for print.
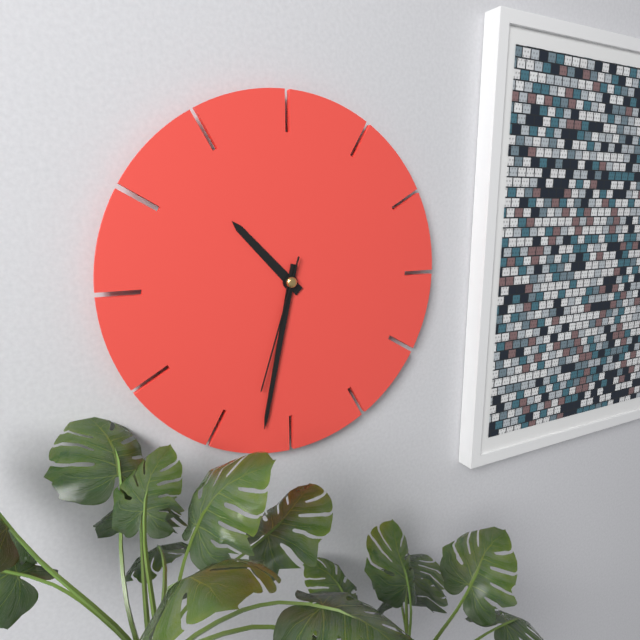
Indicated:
**10:32:33**
